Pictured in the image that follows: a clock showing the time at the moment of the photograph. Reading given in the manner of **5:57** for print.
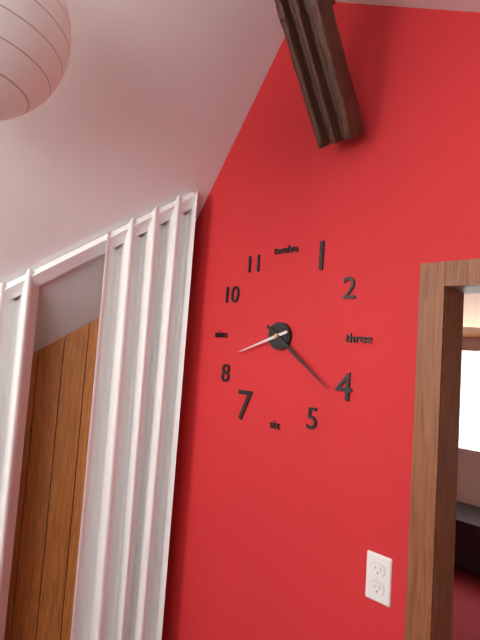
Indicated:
**8:21**
